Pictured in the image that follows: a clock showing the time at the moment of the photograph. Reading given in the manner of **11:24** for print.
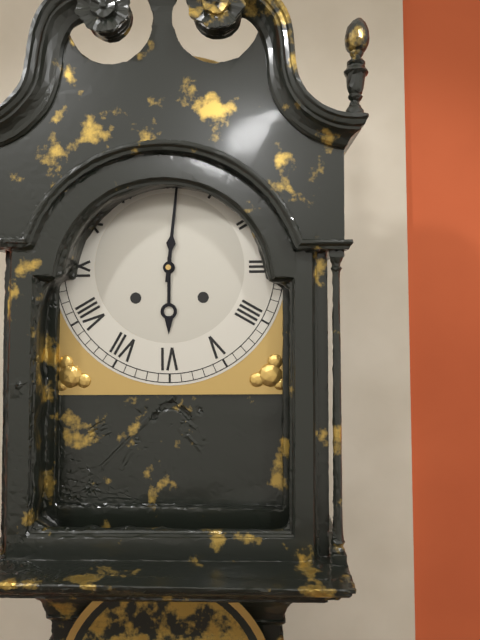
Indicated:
**6:01**
